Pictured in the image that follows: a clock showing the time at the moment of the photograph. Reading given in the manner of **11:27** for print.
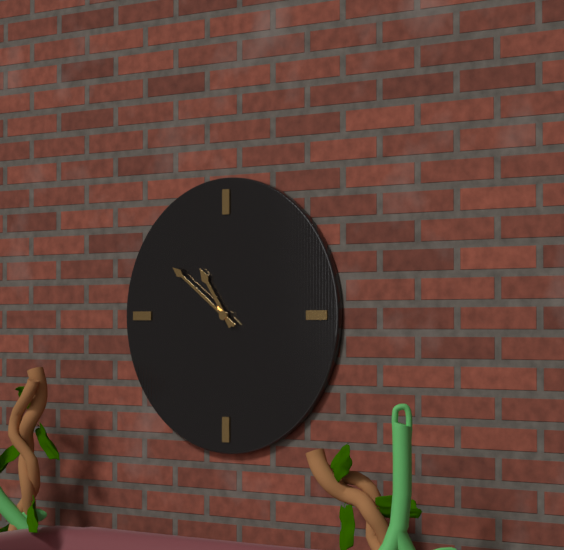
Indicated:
**10:51**
